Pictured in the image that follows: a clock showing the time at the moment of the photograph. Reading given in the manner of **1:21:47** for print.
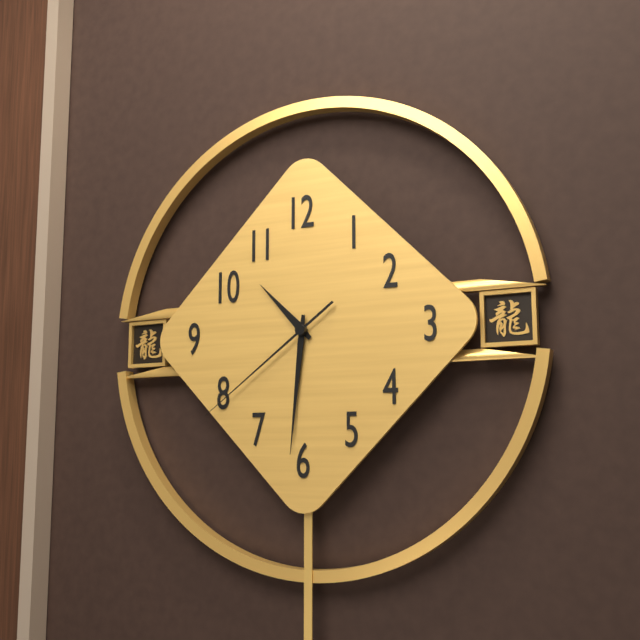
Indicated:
**10:31:39**
